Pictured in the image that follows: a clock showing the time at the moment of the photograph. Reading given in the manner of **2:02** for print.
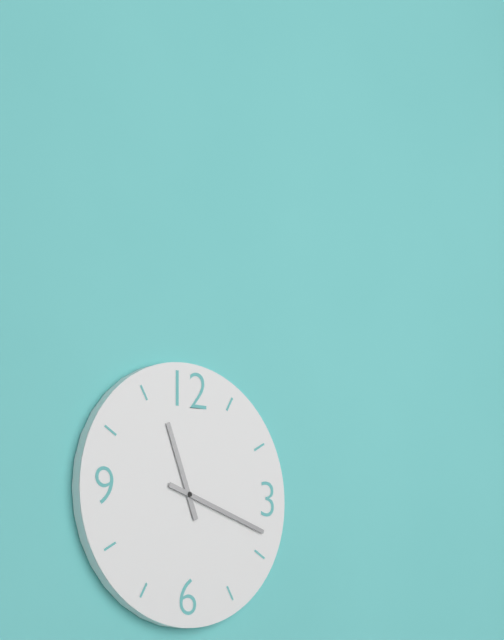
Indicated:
**11:18**
